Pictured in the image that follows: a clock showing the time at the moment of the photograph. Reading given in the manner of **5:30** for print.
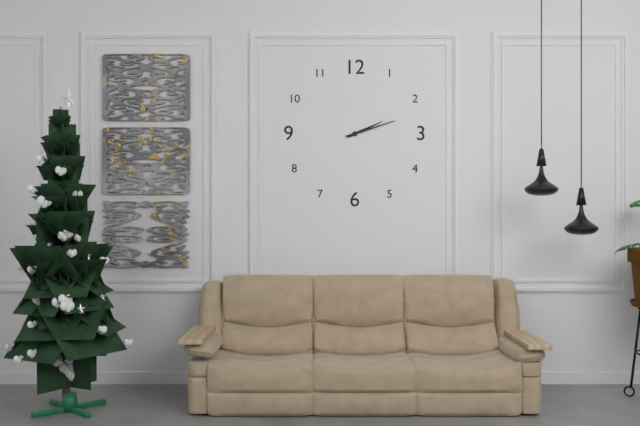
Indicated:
**2:12**
